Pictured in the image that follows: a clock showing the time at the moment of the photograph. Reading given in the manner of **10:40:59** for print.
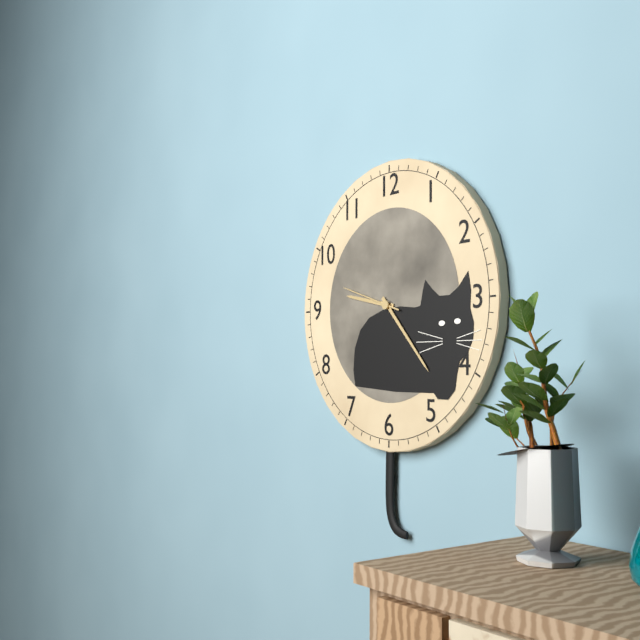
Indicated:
**9:23:48**
